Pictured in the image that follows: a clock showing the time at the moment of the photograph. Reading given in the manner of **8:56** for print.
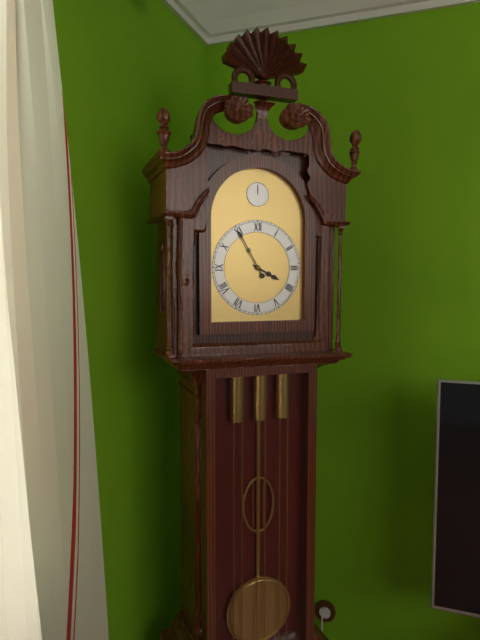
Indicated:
**3:55**
